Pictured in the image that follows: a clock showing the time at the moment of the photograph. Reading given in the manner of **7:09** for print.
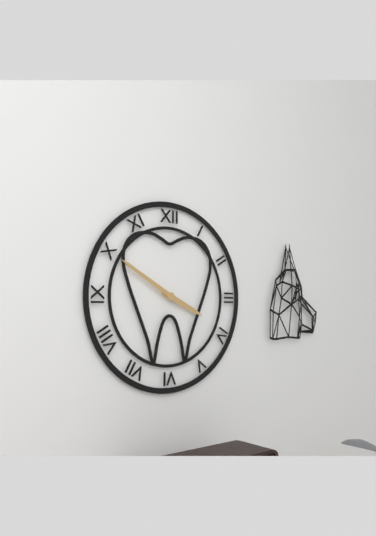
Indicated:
**3:50**
